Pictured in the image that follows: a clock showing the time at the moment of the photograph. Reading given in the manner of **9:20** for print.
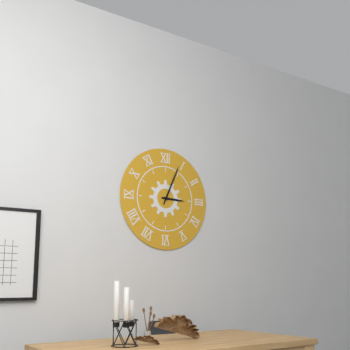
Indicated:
**3:04**
